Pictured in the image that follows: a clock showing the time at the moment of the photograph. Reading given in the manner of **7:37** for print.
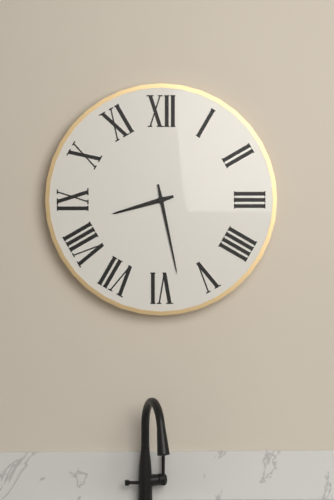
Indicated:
**8:28**
